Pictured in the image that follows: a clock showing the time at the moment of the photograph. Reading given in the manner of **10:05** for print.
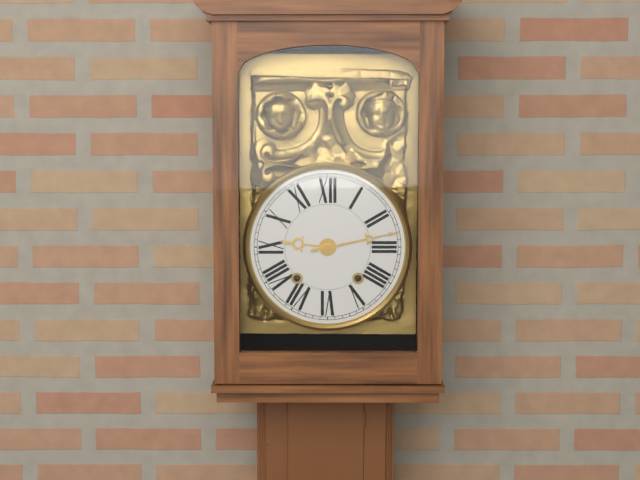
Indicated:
**9:13**
